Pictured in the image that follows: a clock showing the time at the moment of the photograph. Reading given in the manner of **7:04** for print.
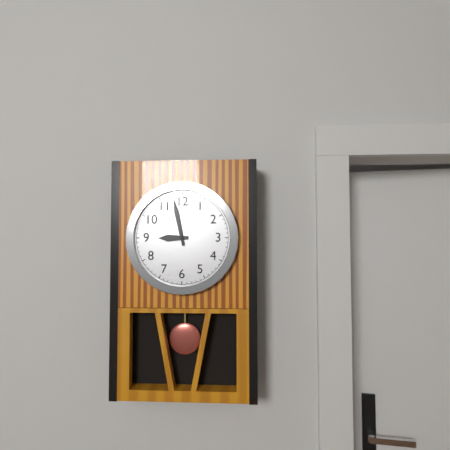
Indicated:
**8:58**
